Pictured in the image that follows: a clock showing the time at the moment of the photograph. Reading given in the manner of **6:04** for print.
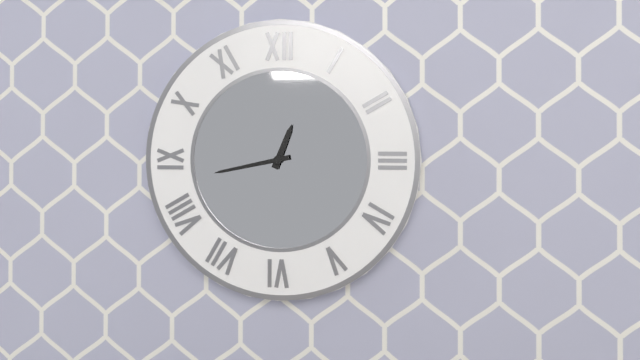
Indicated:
**12:43**
